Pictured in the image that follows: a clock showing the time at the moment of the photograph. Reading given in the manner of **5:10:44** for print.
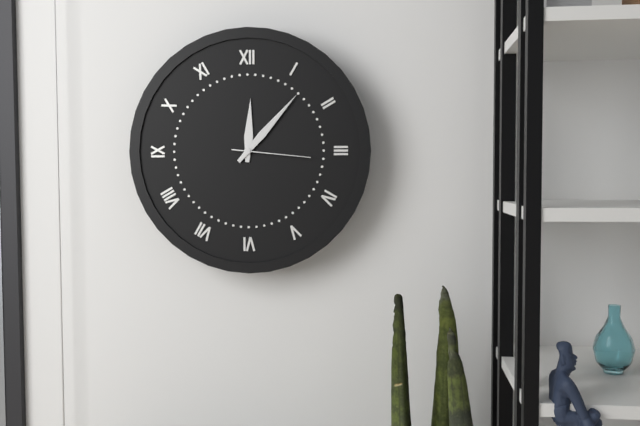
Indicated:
**12:07:16**
